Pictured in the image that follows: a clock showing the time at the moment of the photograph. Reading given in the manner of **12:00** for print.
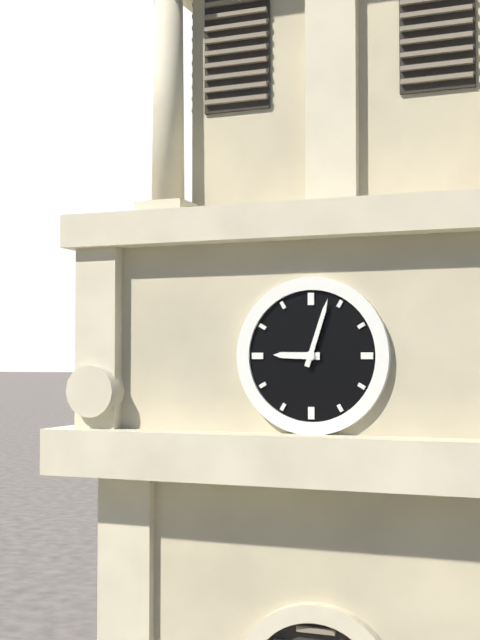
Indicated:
**9:03**
